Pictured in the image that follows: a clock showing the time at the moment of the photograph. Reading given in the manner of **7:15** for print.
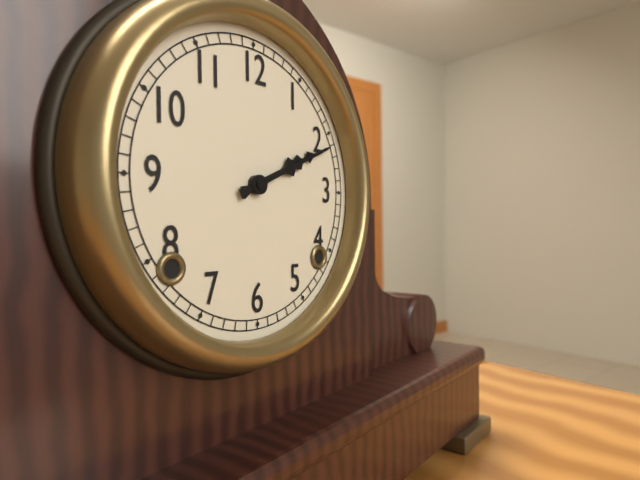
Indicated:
**2:11**
